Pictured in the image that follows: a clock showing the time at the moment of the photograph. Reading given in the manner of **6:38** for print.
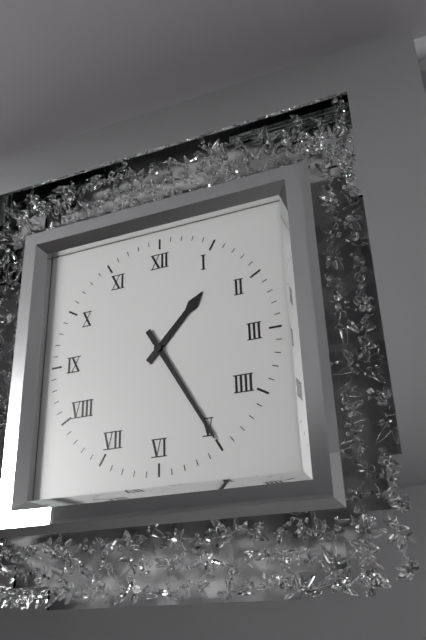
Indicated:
**1:25**
